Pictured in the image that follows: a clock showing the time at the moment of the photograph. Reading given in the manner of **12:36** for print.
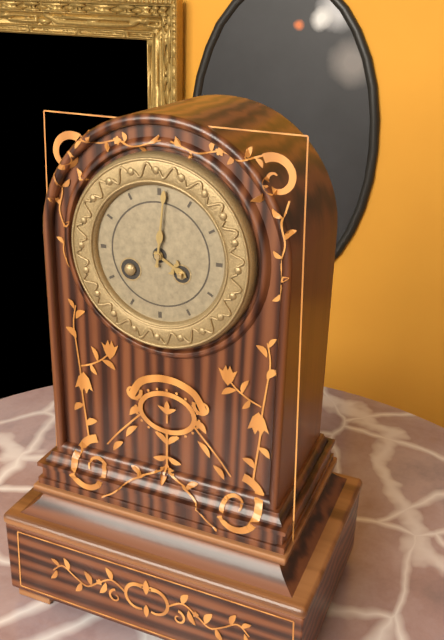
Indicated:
**4:01**
